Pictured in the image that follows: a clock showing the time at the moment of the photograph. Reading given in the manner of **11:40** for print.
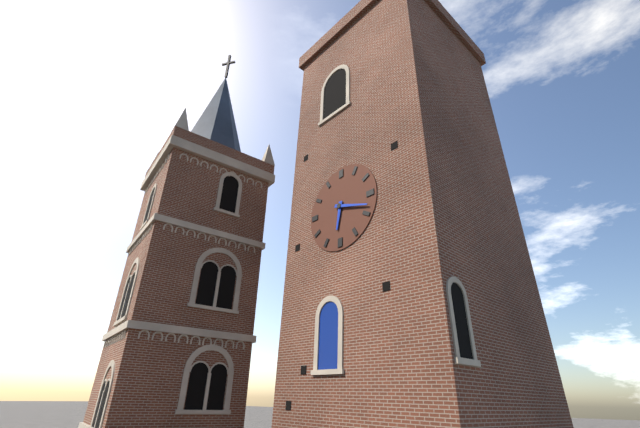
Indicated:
**6:18**
